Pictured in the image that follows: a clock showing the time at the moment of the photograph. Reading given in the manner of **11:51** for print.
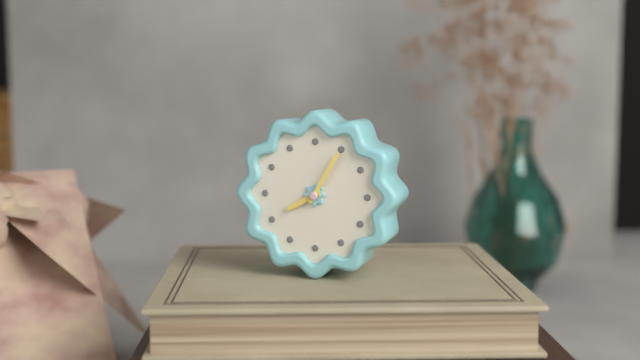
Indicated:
**8:05**
